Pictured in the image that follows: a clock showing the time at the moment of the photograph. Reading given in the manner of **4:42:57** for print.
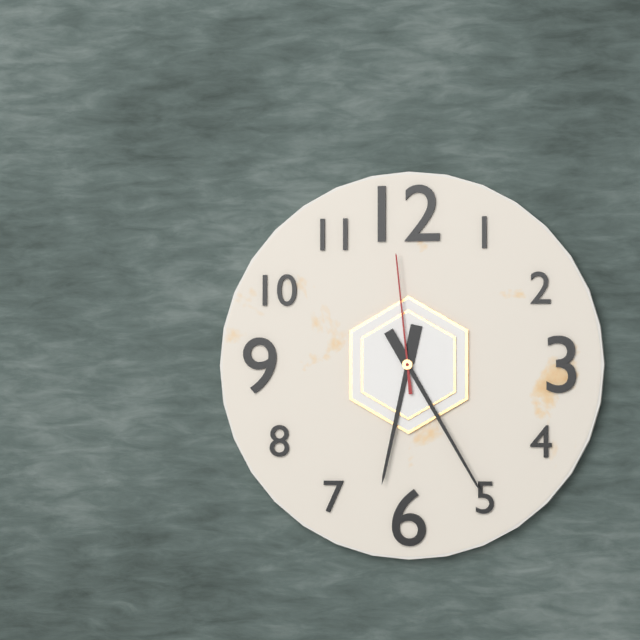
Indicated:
**6:25:59**
